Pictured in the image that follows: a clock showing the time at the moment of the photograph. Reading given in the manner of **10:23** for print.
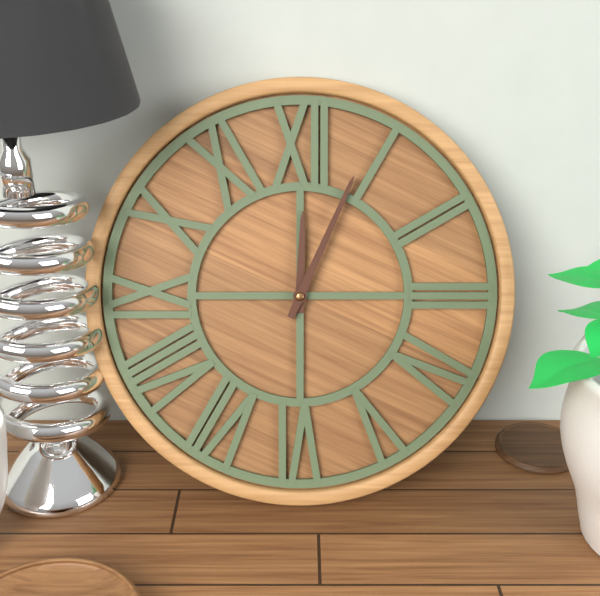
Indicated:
**12:04**
